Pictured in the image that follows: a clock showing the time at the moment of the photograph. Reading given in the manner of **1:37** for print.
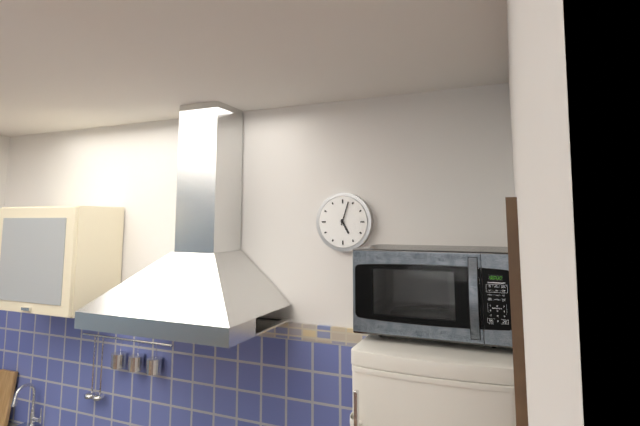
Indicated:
**5:03**
